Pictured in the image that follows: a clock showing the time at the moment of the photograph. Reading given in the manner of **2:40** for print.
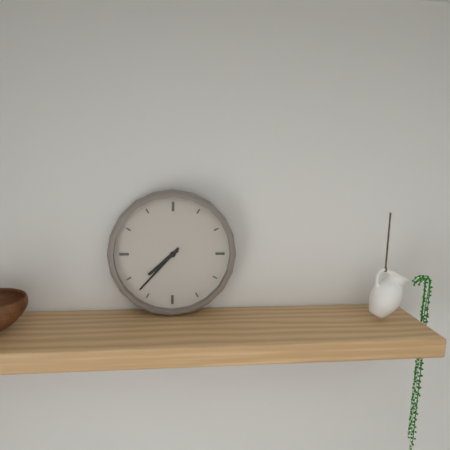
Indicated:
**7:37**
